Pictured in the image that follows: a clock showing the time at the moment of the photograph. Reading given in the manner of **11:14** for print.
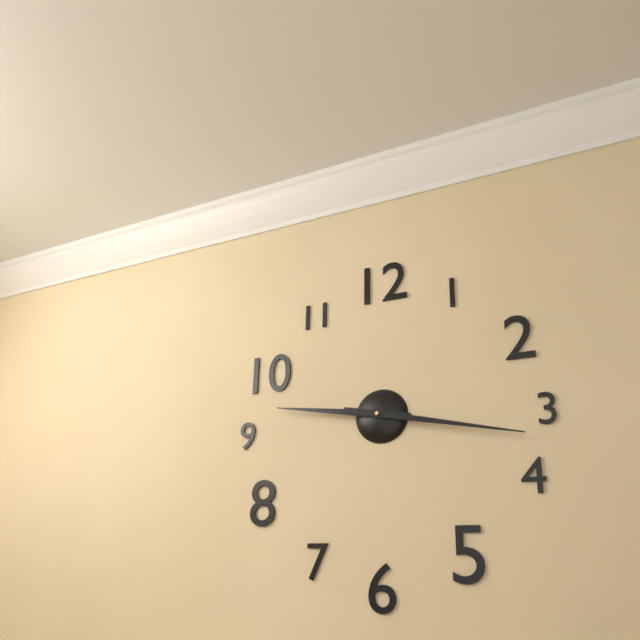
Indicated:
**9:17**
